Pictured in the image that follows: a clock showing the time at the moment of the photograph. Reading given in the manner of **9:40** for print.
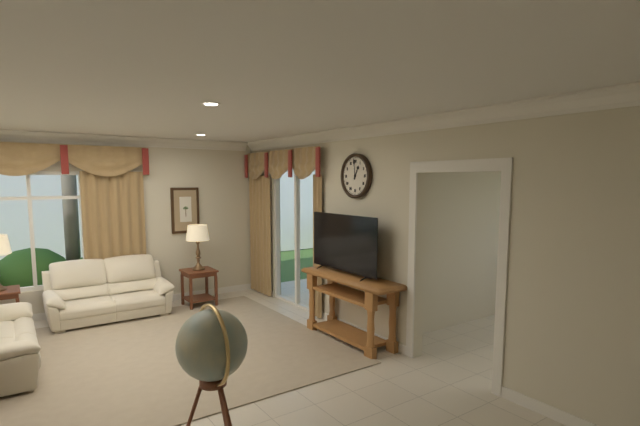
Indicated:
**12:59**
